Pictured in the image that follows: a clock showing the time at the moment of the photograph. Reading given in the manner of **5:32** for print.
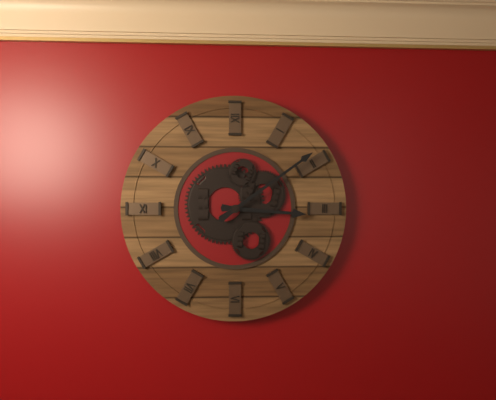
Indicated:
**3:09**
